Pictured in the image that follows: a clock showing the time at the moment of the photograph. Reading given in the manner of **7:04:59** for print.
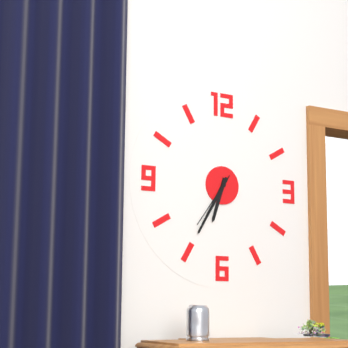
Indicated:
**6:35:36**
